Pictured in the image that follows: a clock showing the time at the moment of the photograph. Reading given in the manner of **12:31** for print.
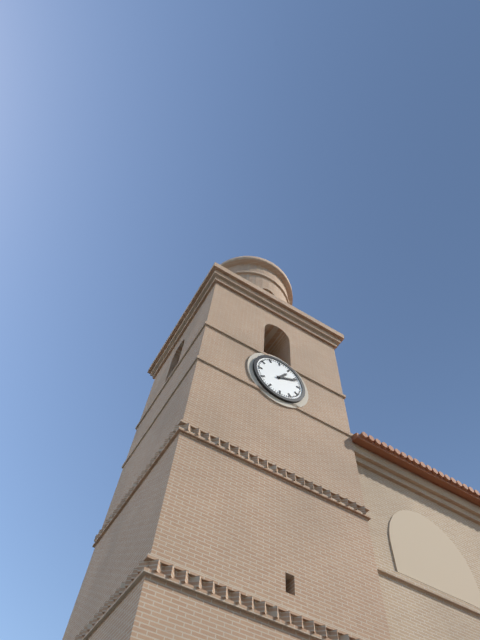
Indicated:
**1:11**
